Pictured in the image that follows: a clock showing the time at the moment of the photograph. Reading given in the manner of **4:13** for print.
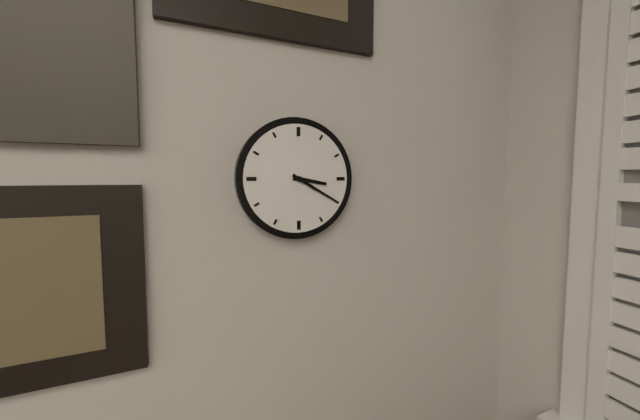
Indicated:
**3:20**
